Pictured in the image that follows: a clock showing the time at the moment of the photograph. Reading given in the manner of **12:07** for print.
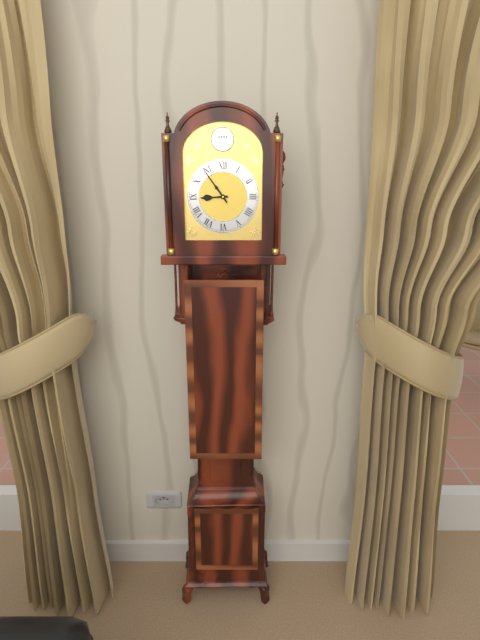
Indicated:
**8:54**
